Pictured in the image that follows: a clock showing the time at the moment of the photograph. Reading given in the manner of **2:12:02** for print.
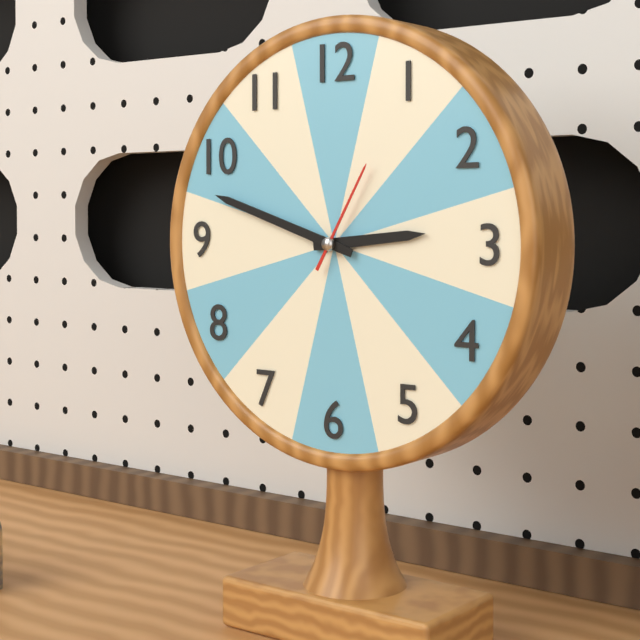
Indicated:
**2:48:05**
